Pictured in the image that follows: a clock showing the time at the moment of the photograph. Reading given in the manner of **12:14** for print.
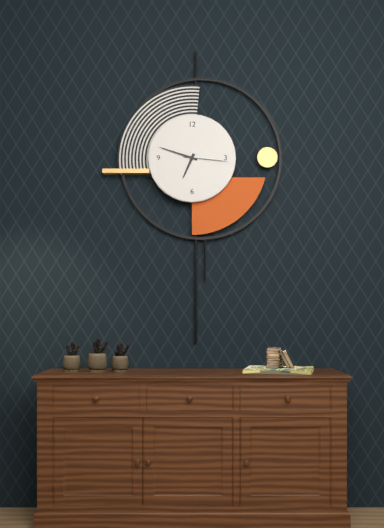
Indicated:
**6:48**
